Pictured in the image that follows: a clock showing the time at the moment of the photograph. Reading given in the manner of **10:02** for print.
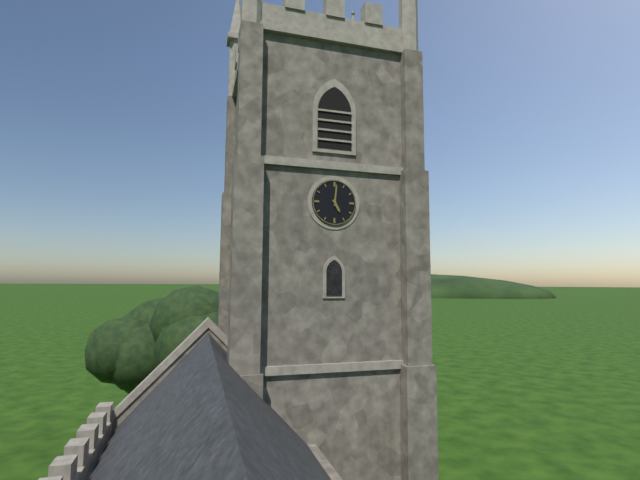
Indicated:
**5:01**
